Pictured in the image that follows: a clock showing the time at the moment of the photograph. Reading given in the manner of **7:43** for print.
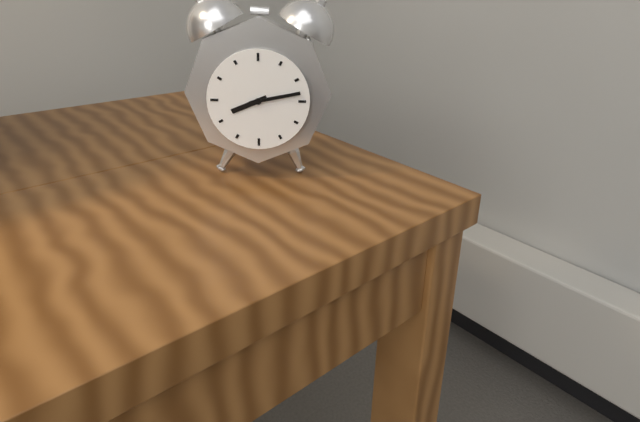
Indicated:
**8:13**
